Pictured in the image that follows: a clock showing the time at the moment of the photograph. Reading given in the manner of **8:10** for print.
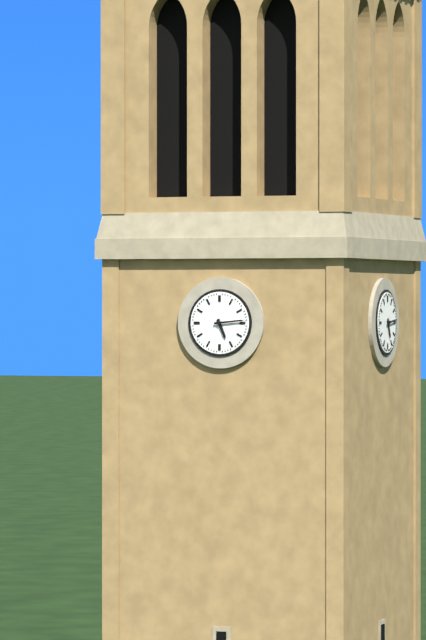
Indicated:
**5:14**
